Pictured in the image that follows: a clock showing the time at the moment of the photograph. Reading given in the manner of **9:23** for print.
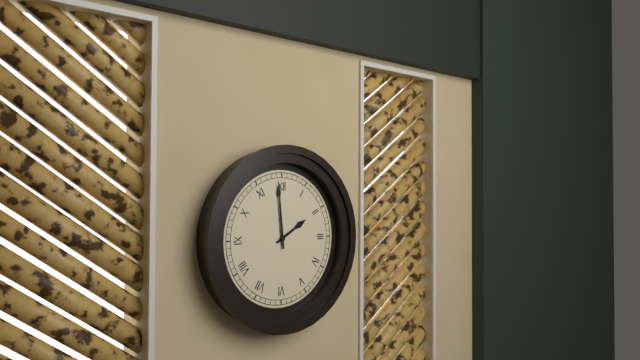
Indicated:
**1:59**
